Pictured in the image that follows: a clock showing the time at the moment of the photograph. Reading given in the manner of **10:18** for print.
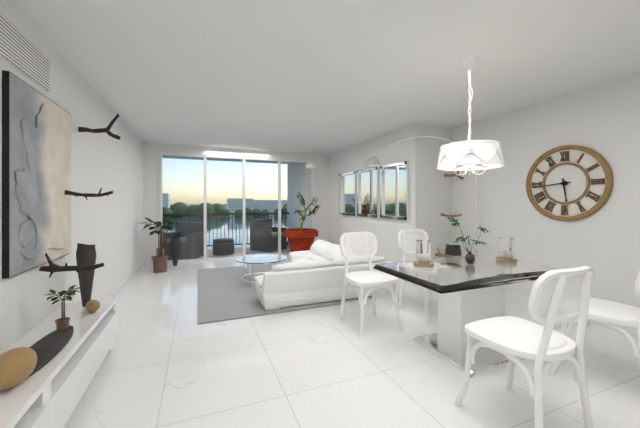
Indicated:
**5:44**
